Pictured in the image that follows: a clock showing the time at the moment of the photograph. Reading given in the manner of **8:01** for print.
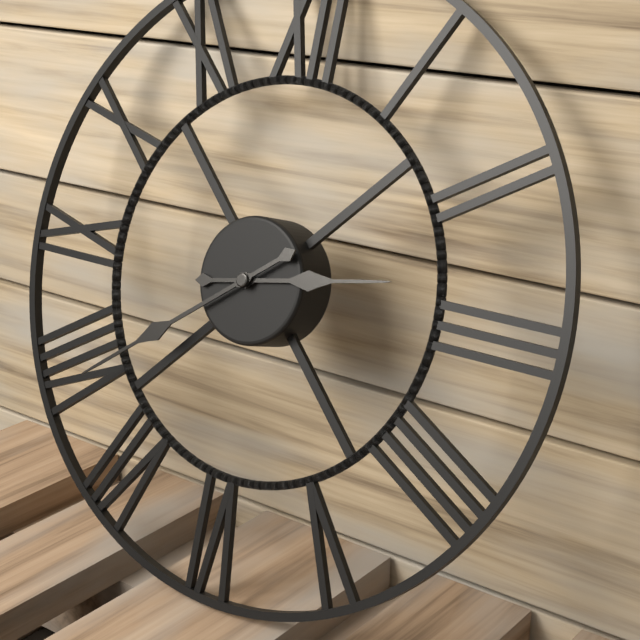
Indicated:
**2:39**
